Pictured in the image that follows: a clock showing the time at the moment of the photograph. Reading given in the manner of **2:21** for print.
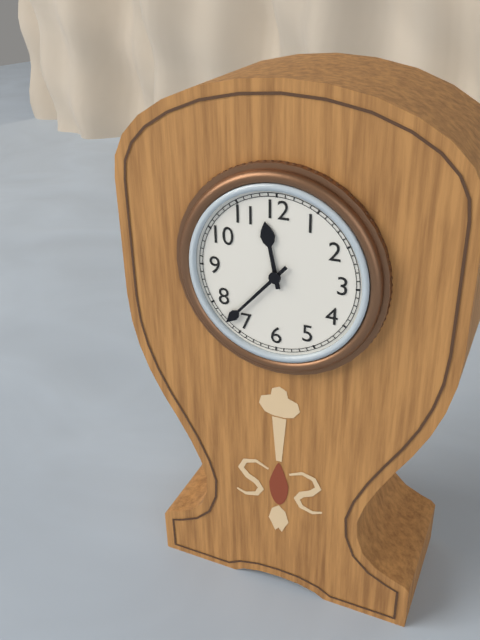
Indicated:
**11:37**
